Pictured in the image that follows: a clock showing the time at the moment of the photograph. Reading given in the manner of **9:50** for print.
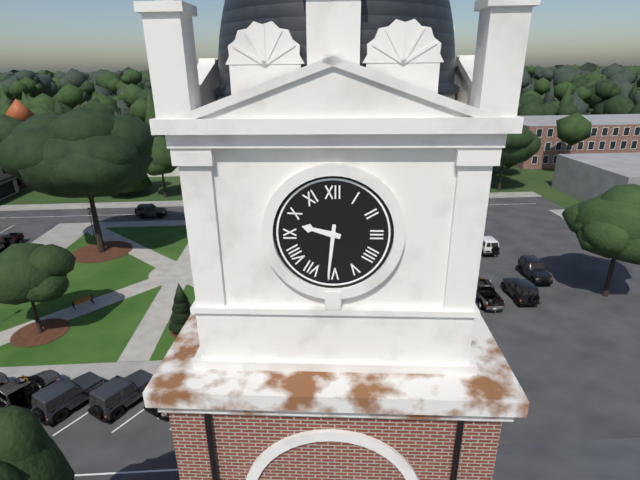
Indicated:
**9:31**
